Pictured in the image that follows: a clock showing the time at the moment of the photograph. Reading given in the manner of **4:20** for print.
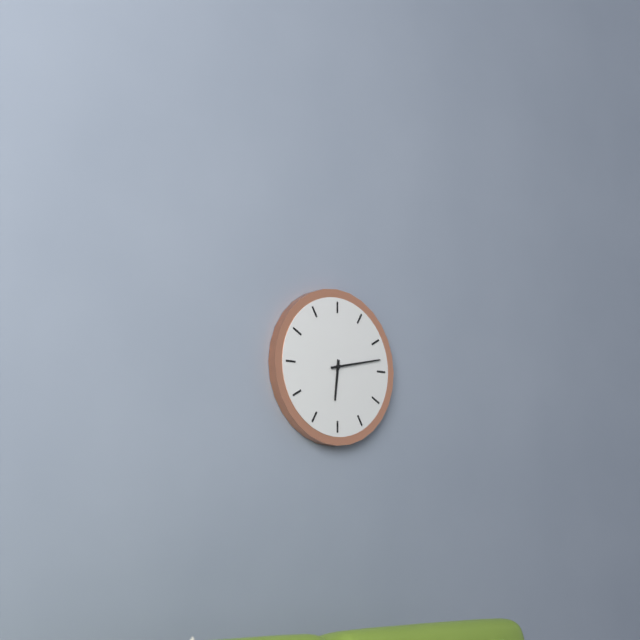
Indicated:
**6:13**
